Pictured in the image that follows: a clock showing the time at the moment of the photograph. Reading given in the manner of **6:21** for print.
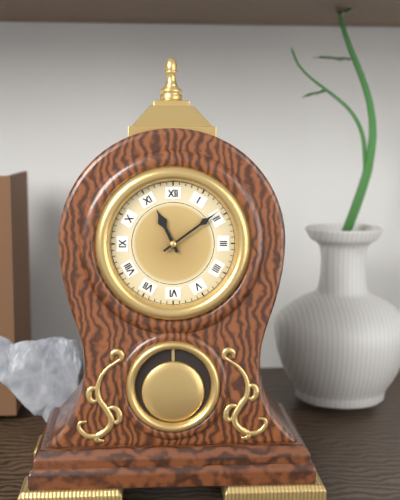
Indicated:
**11:09**
